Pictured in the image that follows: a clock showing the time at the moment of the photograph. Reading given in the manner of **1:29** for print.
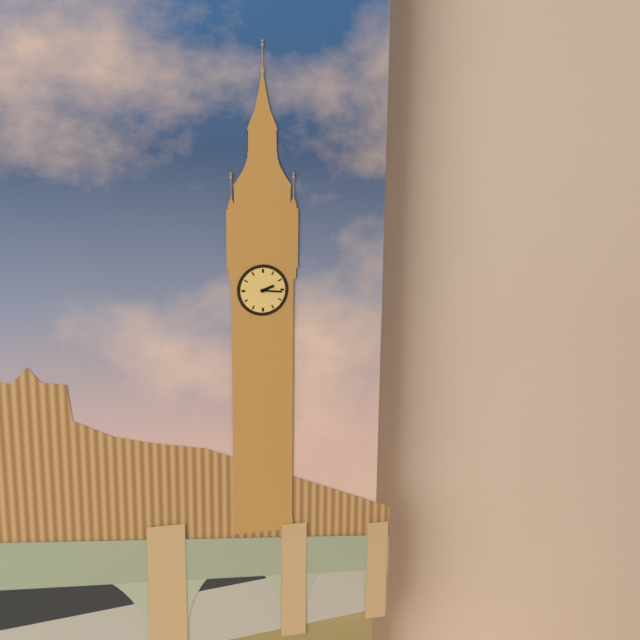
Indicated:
**2:16**
